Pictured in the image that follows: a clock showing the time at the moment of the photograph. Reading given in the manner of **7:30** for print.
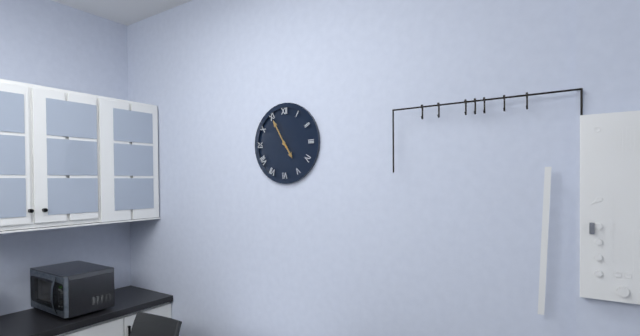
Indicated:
**4:55**
